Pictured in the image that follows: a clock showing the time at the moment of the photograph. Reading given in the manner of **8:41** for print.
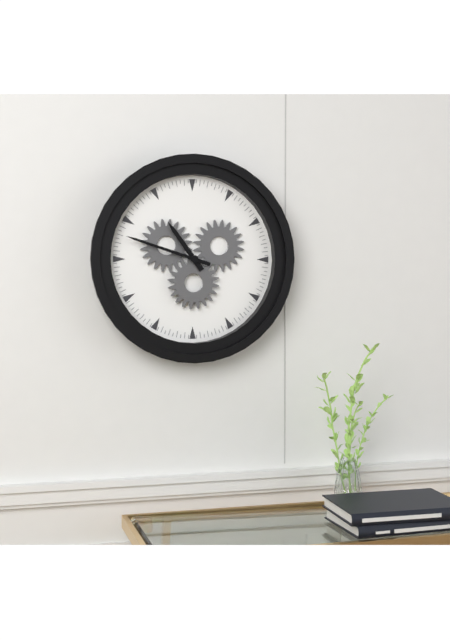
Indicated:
**10:48**
